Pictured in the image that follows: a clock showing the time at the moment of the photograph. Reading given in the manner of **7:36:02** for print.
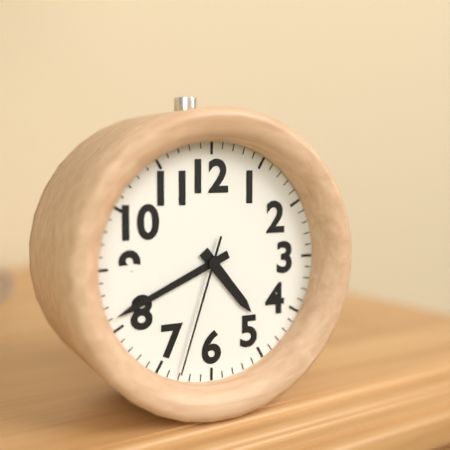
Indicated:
**4:41:33**
